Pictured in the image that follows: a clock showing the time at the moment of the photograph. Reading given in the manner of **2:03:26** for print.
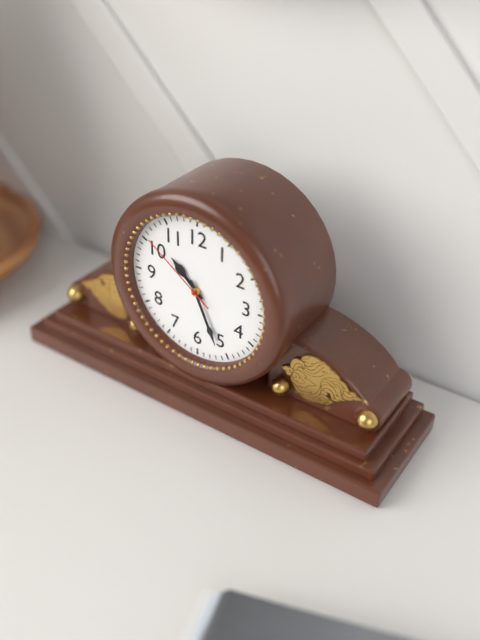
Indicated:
**10:26:51**
